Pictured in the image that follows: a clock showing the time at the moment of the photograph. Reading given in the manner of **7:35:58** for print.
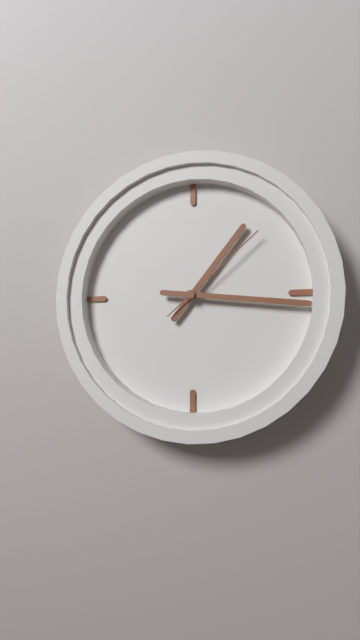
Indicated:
**1:16:08**
